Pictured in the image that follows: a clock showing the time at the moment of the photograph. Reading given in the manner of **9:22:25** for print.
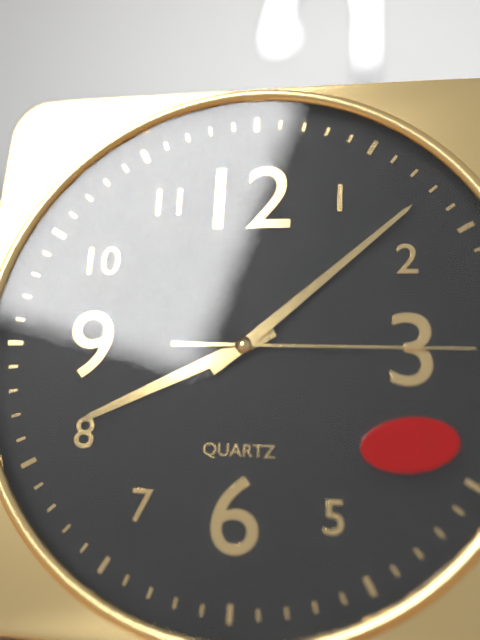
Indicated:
**8:08:15**
